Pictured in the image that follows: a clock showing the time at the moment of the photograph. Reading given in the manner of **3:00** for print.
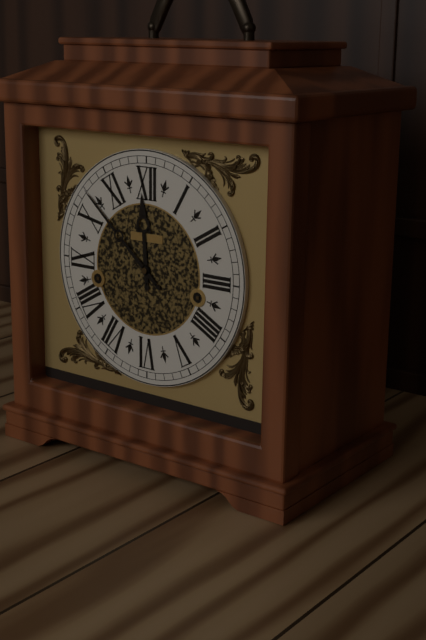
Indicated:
**11:52**
